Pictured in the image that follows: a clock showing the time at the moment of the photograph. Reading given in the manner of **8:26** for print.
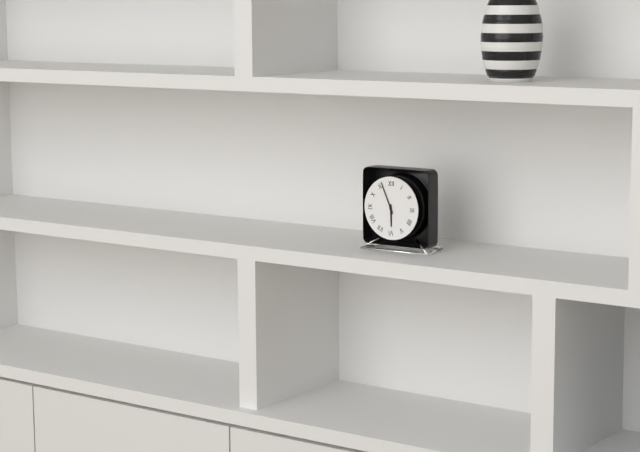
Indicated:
**5:56**
